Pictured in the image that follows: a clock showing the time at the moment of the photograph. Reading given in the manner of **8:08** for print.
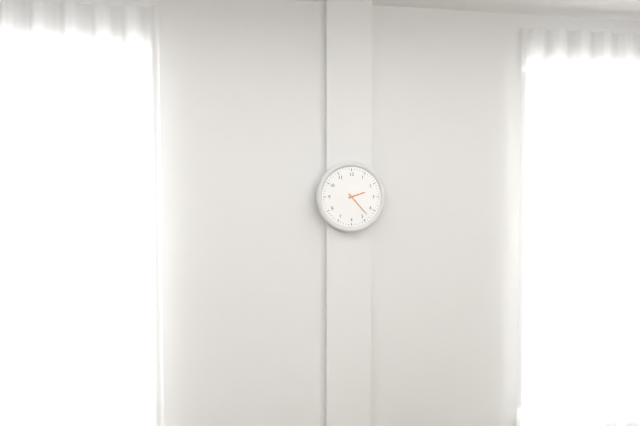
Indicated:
**2:23**
